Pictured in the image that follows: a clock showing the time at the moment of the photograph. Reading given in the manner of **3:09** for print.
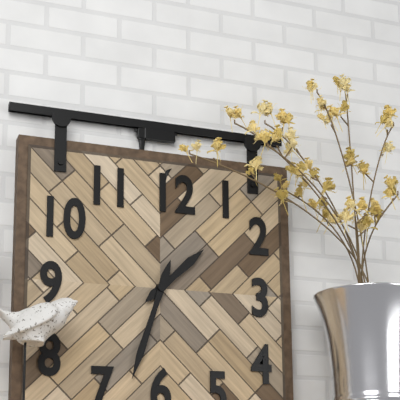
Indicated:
**1:33**
